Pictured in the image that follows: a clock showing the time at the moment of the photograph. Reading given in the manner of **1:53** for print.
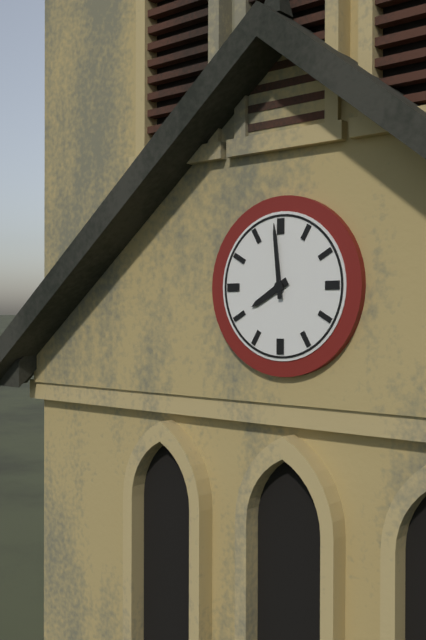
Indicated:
**7:59**
